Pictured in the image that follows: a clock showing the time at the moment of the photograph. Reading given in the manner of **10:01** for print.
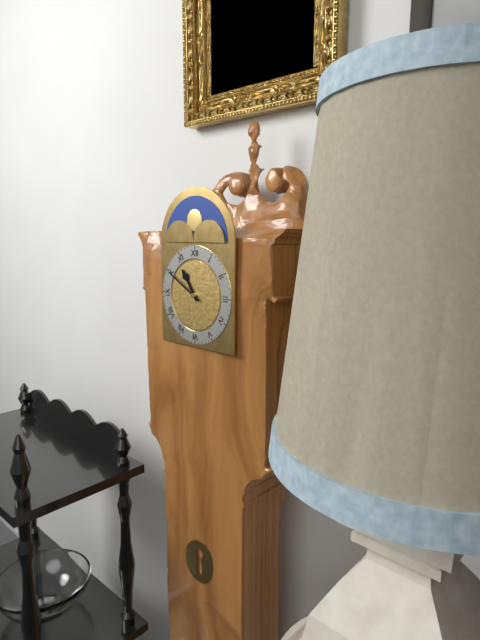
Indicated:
**10:50**
